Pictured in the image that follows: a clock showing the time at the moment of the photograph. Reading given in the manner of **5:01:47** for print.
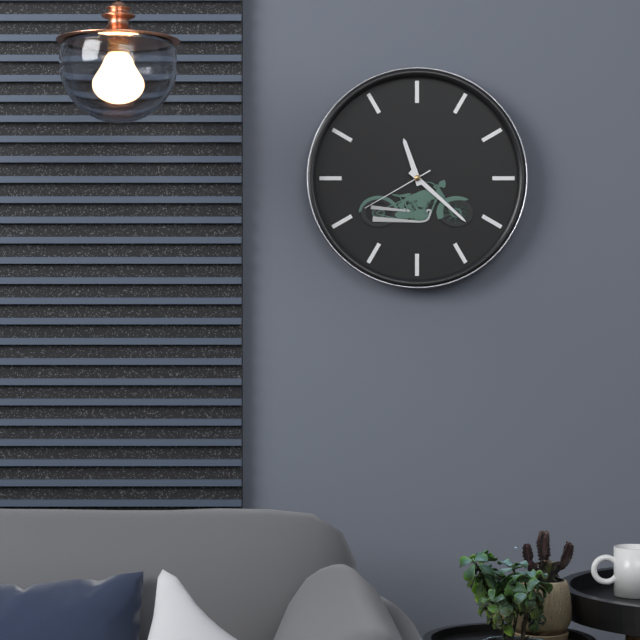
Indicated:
**11:22:40**
